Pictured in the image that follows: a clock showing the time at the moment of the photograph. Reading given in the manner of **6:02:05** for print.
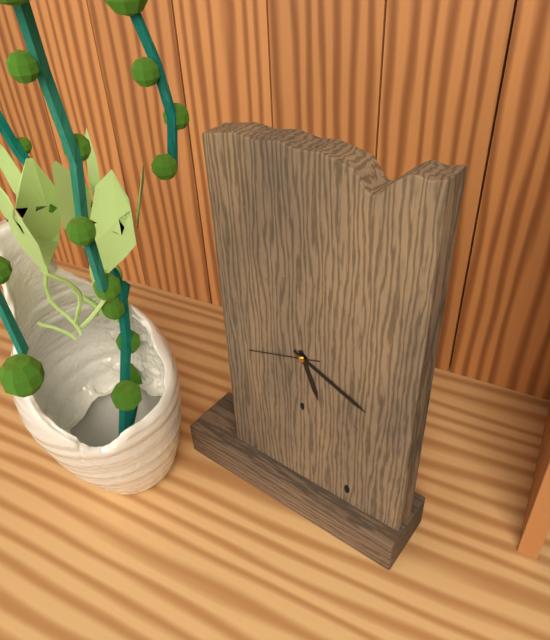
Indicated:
**5:19:42**
